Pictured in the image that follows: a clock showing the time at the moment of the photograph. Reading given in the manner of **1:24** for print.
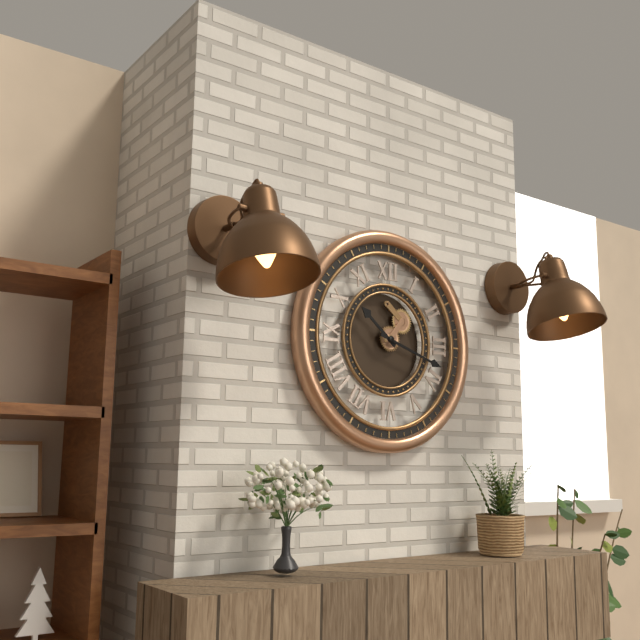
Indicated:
**10:18**
